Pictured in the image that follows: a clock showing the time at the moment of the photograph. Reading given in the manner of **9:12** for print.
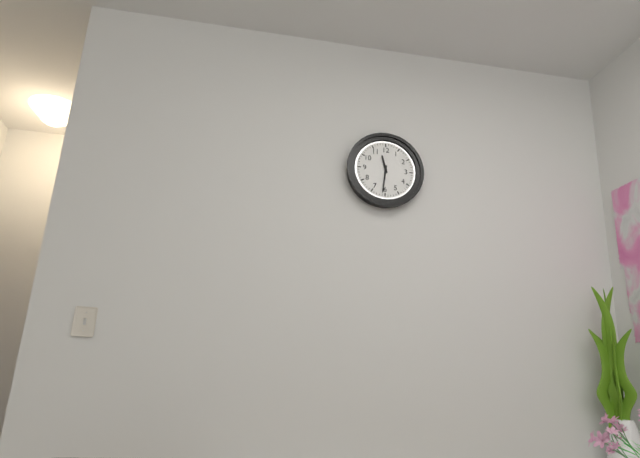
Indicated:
**11:31**
